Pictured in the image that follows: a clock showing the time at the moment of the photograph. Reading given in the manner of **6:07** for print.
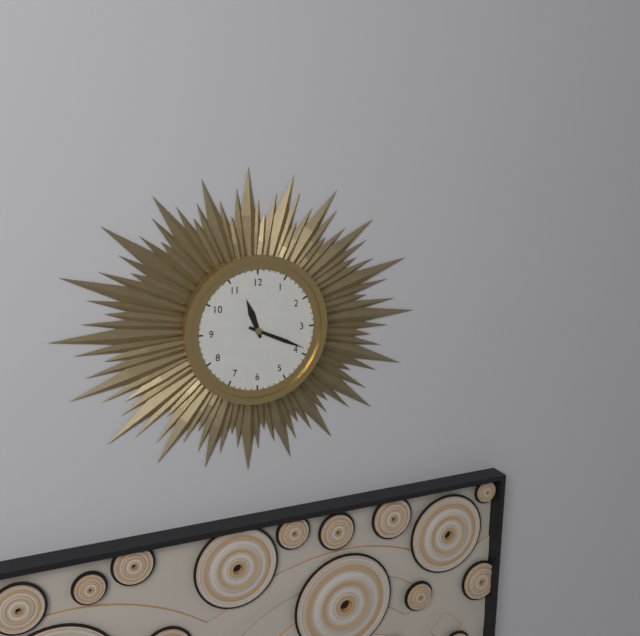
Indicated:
**11:19**
